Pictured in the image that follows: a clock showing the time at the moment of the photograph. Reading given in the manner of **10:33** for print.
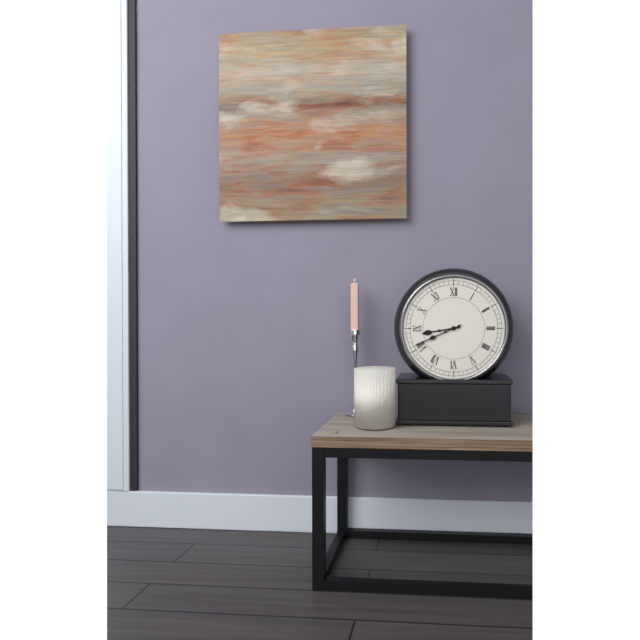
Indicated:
**8:41**
